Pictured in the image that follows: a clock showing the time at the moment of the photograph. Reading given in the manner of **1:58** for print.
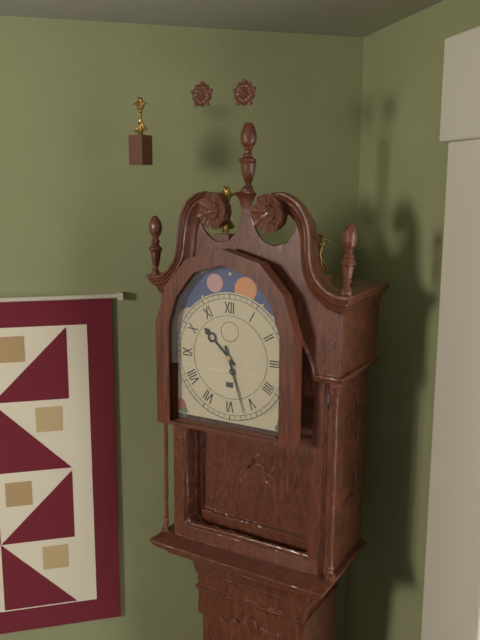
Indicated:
**10:27**
